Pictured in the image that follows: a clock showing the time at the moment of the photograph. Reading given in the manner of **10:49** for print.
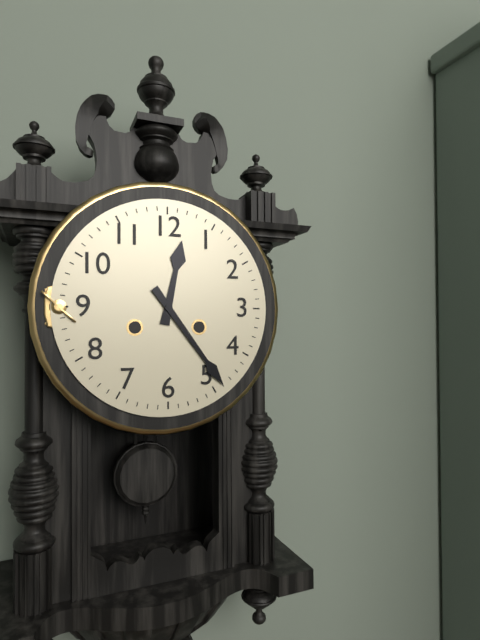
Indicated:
**12:24**
